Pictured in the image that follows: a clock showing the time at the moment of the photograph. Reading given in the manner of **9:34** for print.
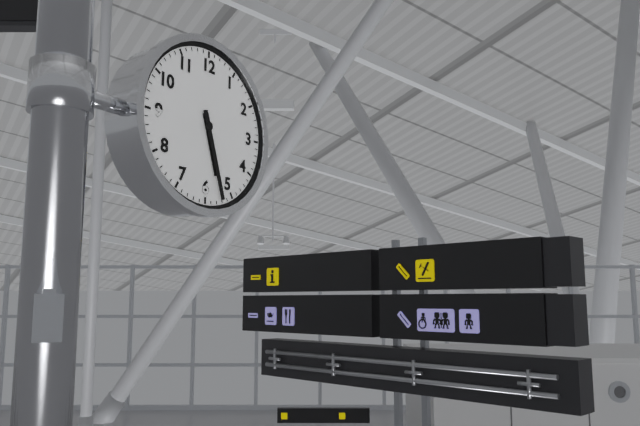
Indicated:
**5:27**
